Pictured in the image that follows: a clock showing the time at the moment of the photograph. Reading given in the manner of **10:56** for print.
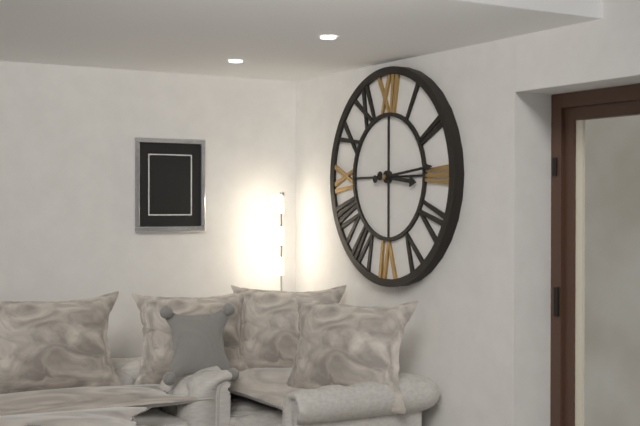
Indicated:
**3:14**
